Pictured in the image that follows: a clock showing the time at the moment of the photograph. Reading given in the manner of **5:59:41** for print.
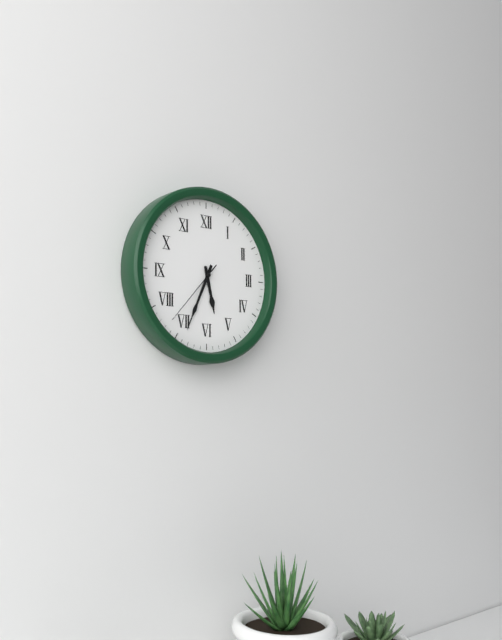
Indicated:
**5:34:37**
